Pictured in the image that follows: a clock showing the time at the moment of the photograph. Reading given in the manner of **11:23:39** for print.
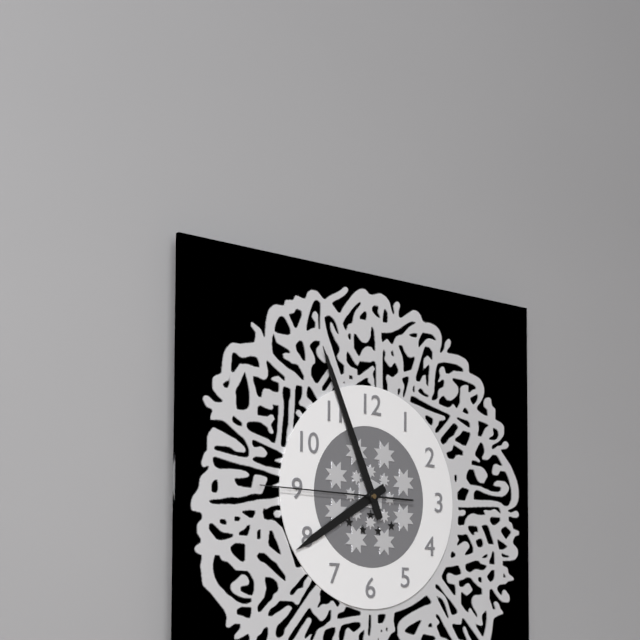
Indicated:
**7:56:45**
